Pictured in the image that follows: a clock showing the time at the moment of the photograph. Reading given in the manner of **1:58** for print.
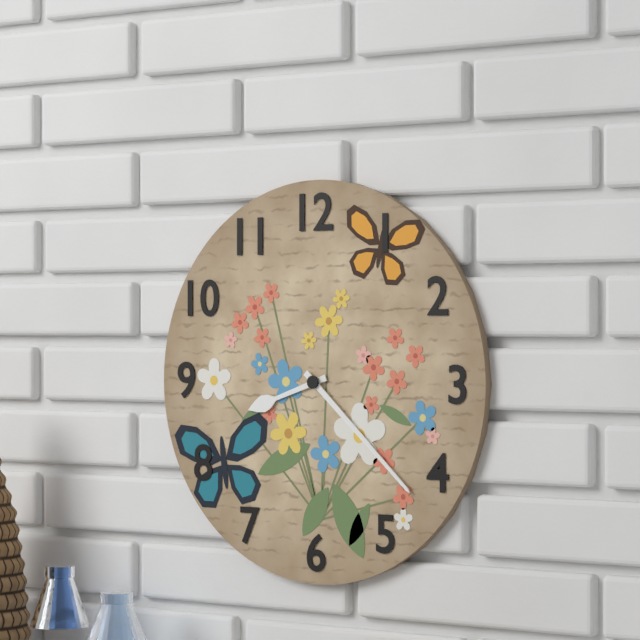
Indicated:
**8:22**
